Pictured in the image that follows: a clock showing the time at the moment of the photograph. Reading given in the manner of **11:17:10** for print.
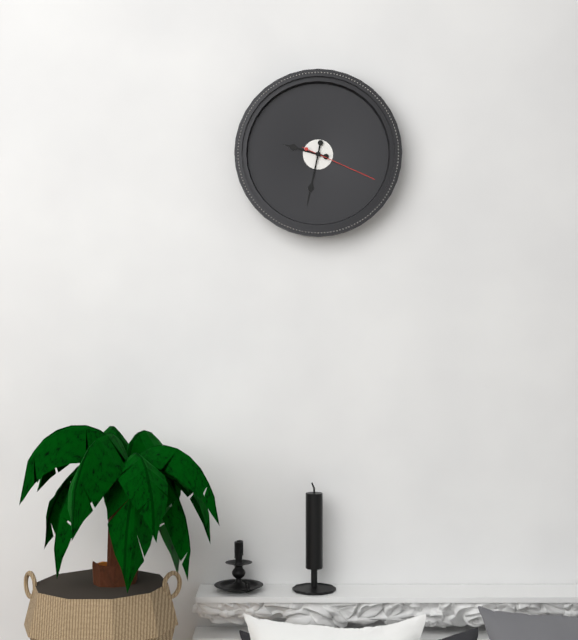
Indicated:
**9:32:19**
